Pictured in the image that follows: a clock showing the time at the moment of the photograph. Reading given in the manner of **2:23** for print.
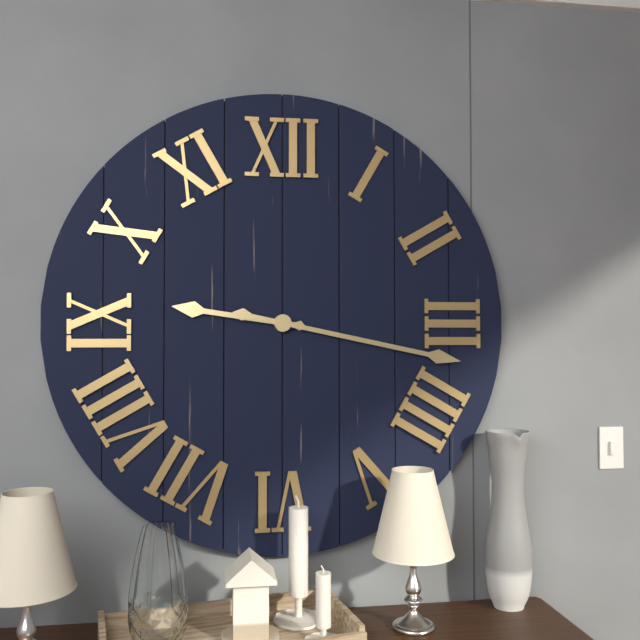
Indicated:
**9:17**
